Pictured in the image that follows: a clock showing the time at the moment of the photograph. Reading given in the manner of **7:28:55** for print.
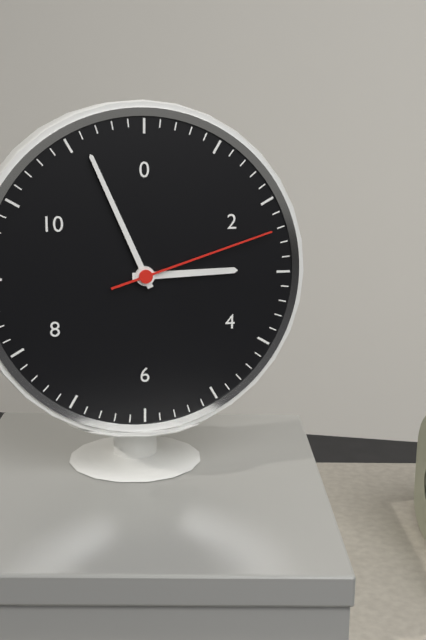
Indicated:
**2:56:12**
